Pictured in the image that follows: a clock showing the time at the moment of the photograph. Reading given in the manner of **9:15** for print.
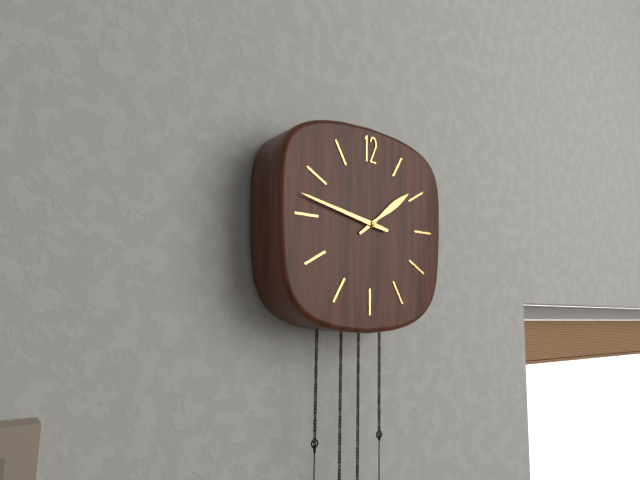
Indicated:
**1:47**
